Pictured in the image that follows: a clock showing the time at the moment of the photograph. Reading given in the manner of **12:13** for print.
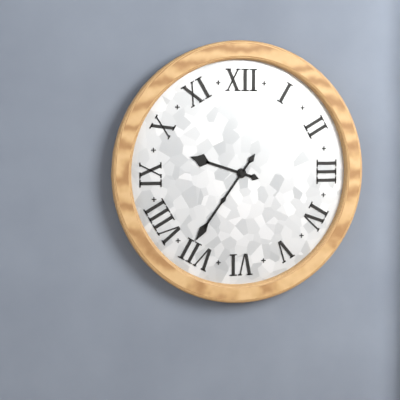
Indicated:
**9:36**
